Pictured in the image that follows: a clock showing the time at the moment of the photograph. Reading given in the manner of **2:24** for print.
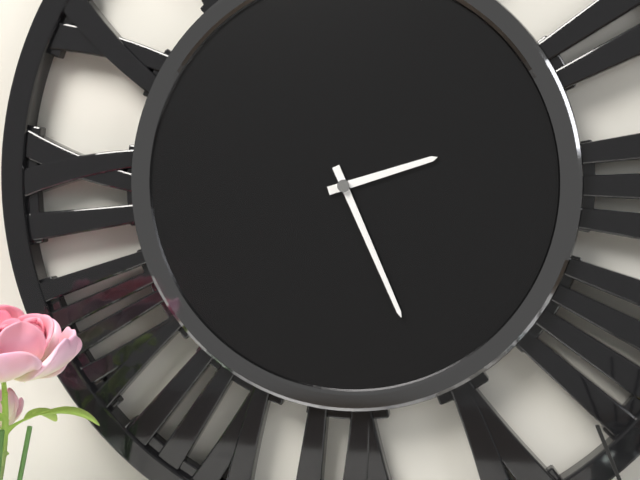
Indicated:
**2:26**
